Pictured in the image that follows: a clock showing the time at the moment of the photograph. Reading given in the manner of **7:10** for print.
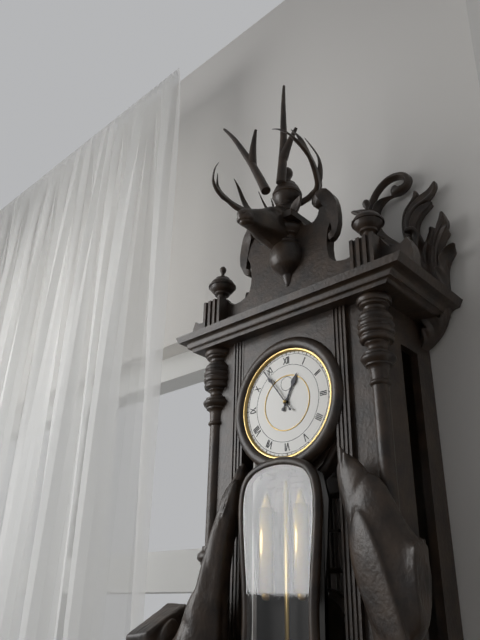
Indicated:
**12:54**
